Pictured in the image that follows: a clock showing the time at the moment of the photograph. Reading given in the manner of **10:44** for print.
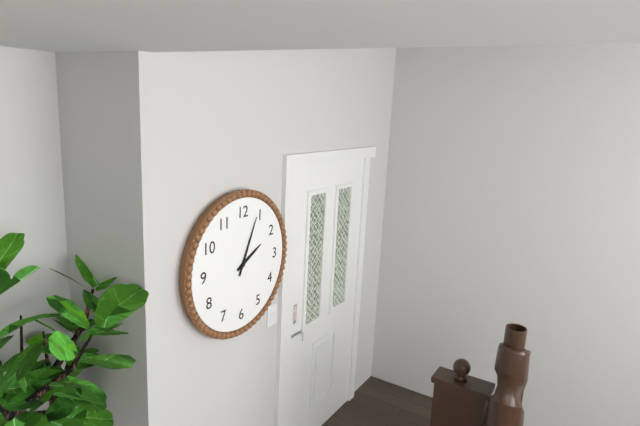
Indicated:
**2:04**
